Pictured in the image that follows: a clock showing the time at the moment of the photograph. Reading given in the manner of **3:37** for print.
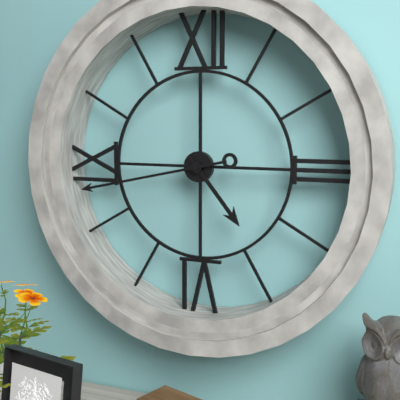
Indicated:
**4:43**
